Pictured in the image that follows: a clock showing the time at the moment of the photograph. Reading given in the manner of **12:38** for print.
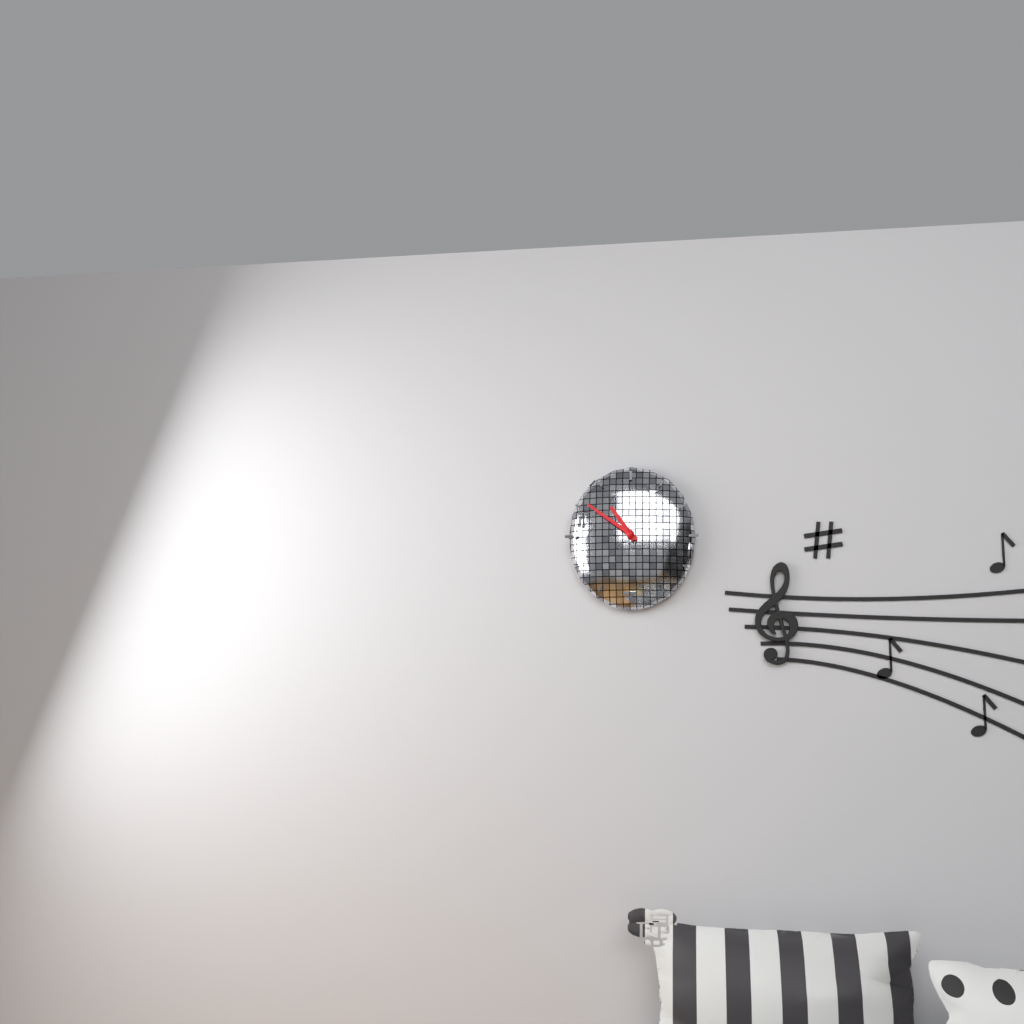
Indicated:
**10:51**
